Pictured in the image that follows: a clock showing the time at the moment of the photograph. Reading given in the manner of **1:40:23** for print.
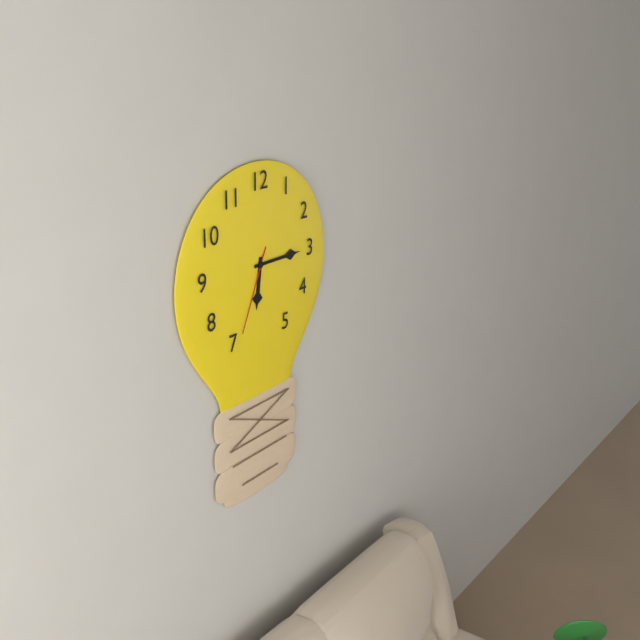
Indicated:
**6:15:34**
